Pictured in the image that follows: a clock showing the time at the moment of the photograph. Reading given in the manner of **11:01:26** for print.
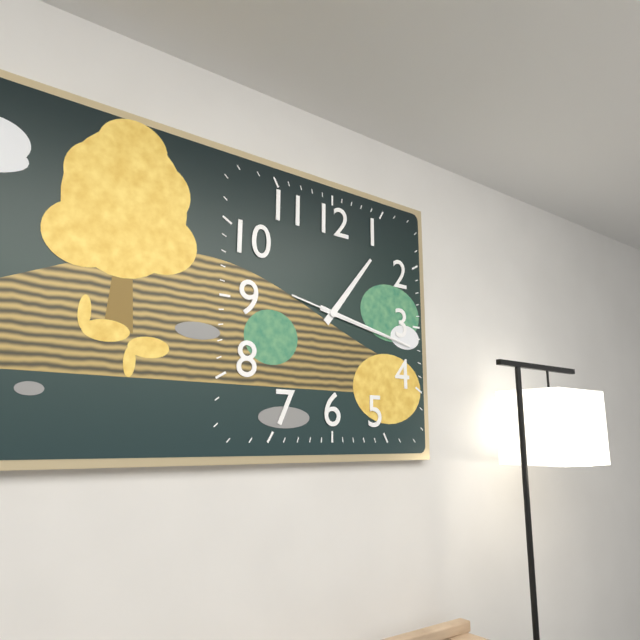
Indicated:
**1:17:17**
